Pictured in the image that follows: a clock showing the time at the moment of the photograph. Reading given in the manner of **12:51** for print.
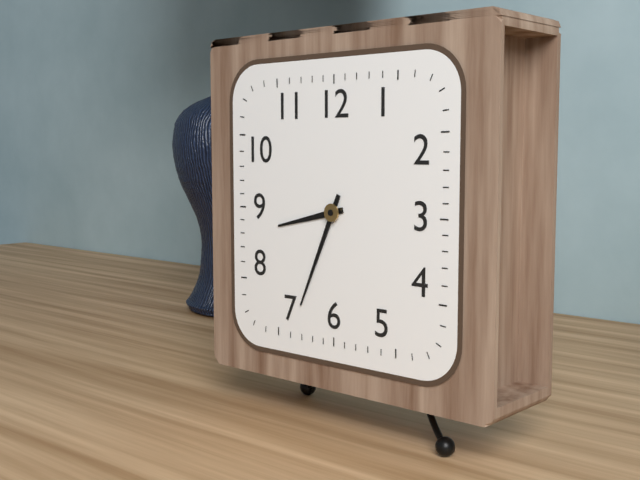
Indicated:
**8:34**
